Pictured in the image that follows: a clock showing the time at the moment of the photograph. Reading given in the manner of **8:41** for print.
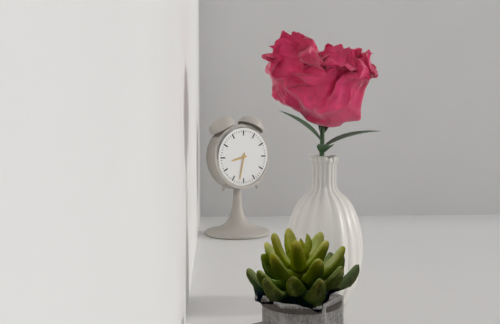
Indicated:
**8:32**
